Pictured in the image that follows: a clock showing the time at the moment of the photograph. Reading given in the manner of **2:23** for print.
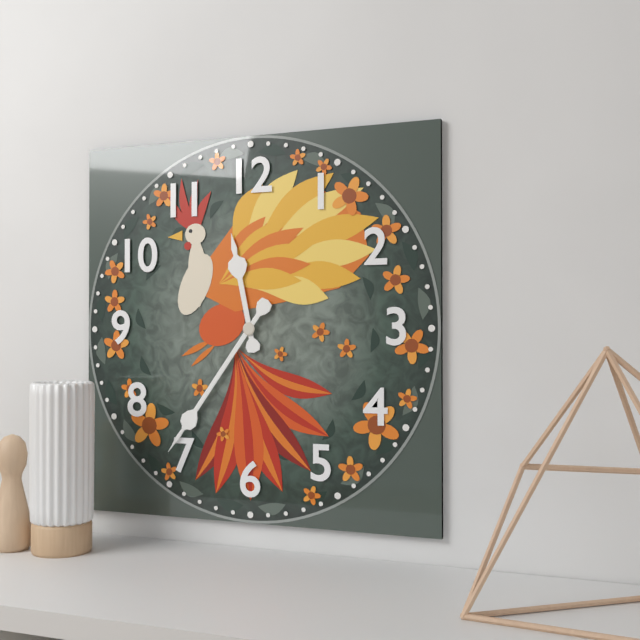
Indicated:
**11:36**
